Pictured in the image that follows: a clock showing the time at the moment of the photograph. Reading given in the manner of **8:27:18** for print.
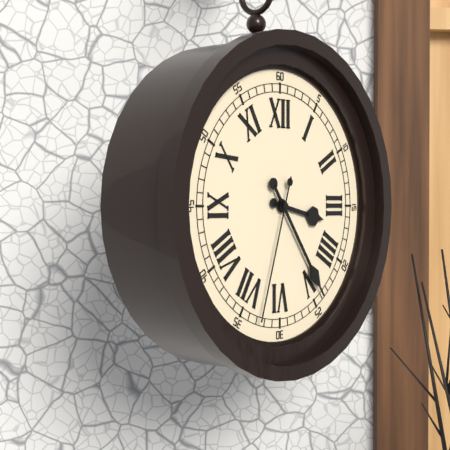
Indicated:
**3:24:33**
